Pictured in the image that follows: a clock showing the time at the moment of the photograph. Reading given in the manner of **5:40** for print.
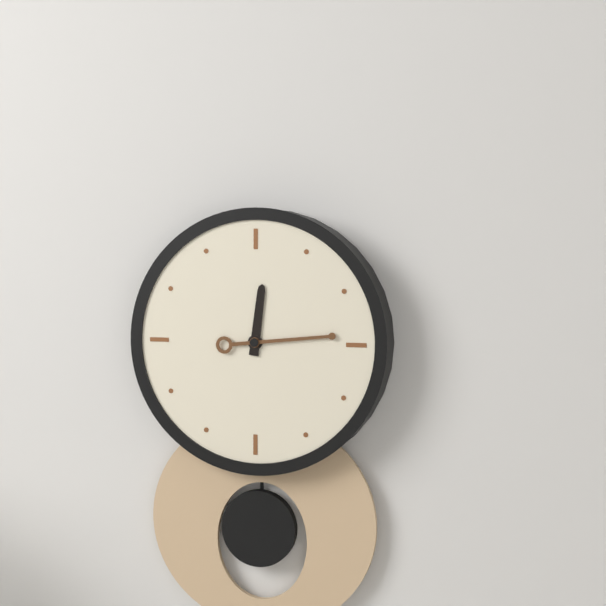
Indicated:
**12:14**
